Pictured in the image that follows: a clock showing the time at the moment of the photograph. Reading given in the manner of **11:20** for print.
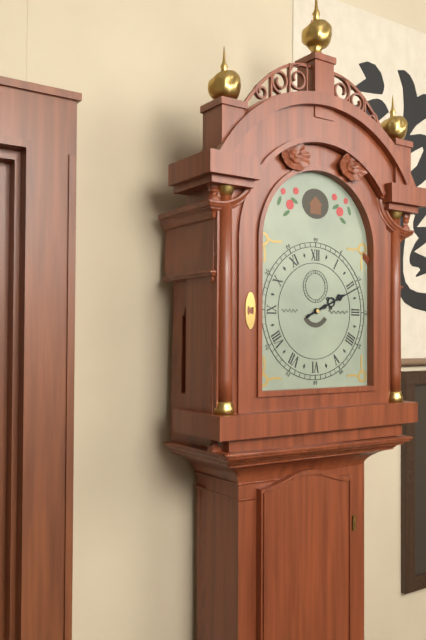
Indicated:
**2:11**
